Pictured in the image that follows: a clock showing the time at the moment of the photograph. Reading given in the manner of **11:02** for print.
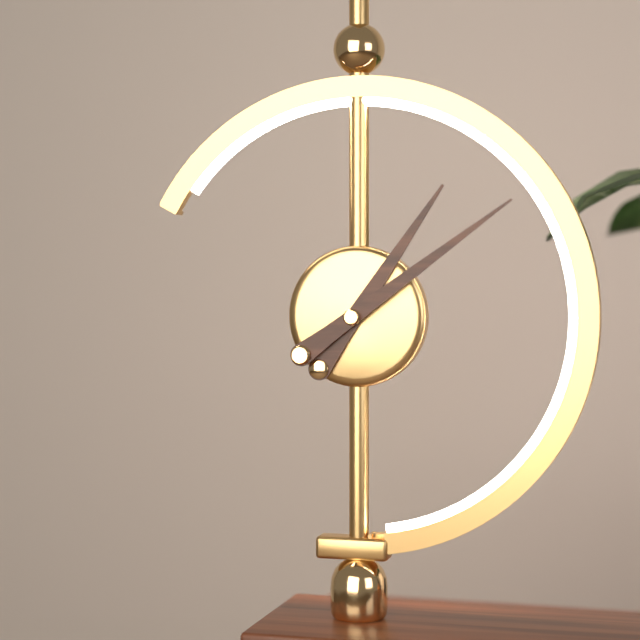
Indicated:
**1:09**
